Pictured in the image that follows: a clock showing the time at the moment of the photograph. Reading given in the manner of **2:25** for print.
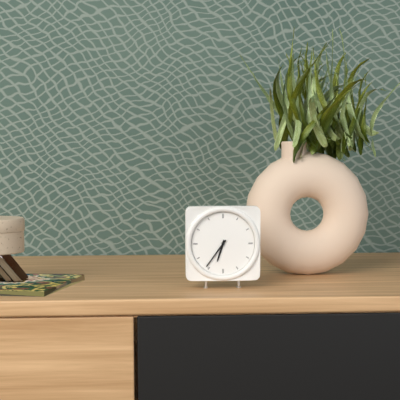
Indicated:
**6:36**
